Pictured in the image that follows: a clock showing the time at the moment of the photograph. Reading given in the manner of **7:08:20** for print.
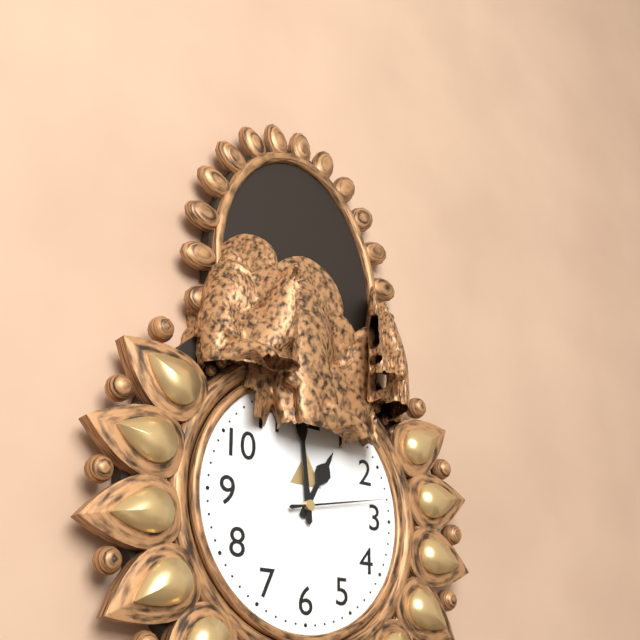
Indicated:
**12:59:13**
